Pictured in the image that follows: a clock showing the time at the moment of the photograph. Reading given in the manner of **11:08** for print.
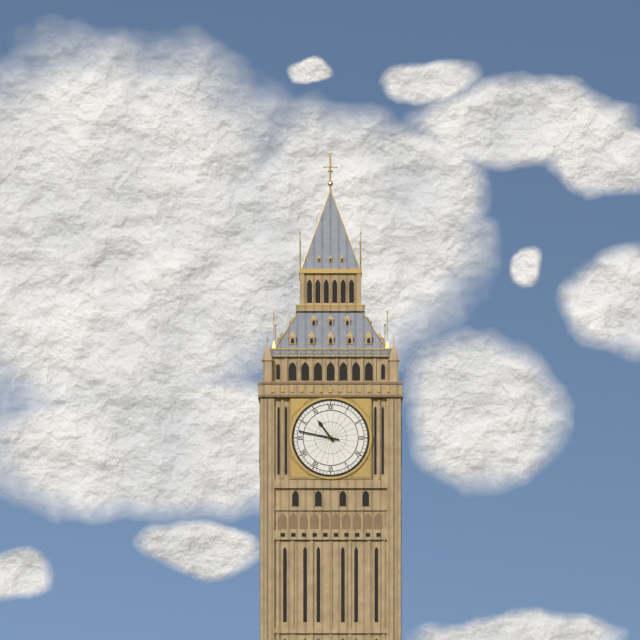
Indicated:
**10:47**
